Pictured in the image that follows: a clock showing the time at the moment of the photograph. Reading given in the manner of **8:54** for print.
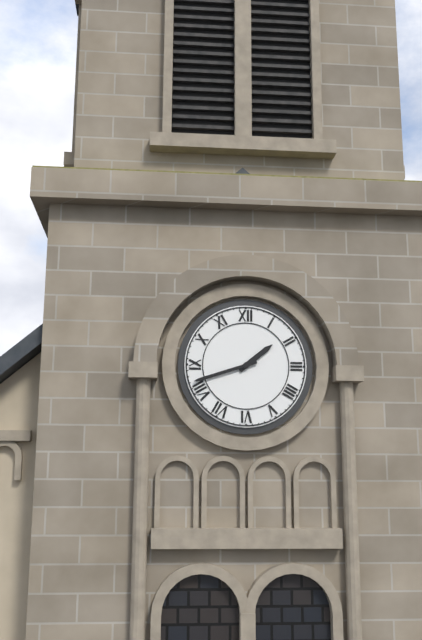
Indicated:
**1:42**
